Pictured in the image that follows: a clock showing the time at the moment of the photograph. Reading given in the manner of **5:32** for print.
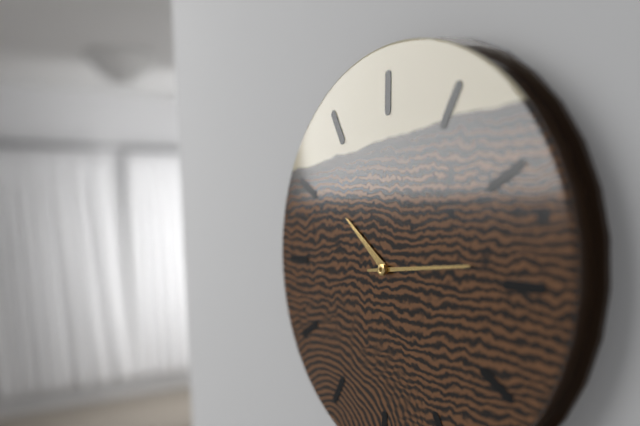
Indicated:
**10:14**
